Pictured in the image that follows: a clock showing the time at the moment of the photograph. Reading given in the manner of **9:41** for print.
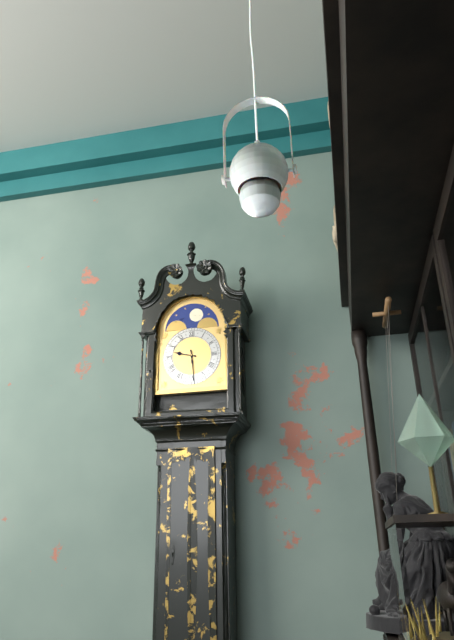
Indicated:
**9:29**
